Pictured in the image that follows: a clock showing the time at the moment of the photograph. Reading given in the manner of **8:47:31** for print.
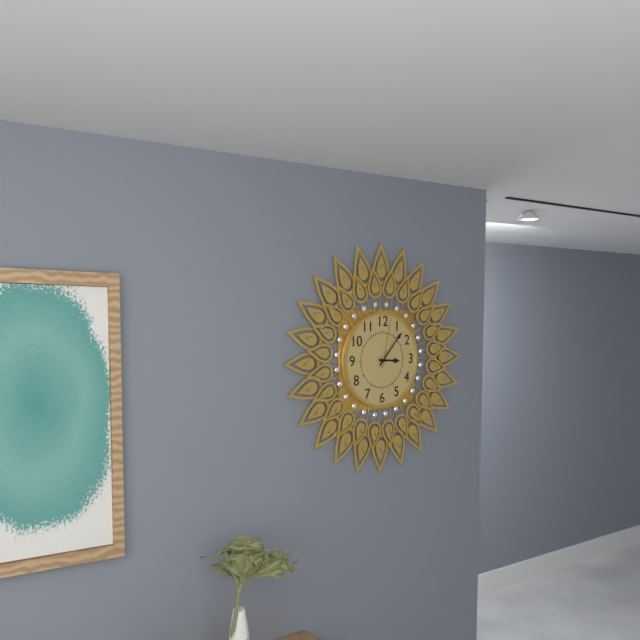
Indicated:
**3:07:02**
